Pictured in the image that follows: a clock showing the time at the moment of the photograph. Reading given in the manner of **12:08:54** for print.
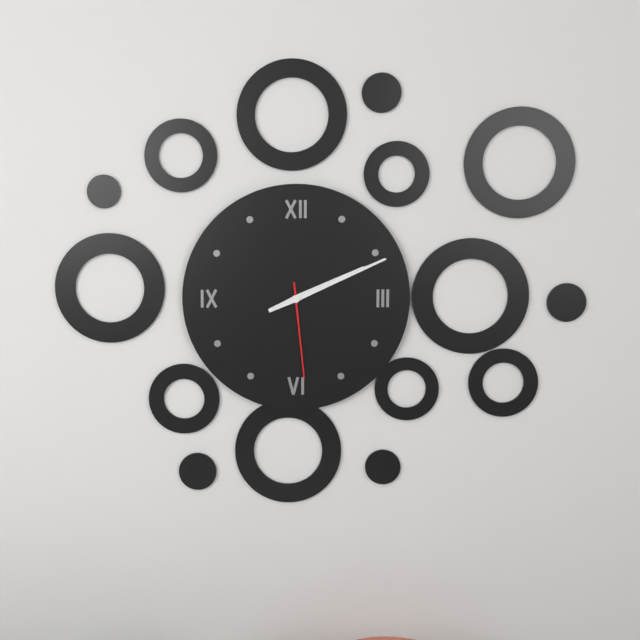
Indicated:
**2:11:29**
